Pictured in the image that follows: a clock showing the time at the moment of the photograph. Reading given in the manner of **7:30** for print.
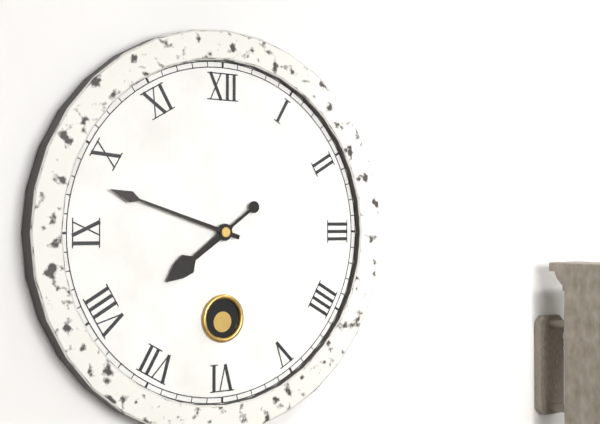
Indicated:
**7:48**
